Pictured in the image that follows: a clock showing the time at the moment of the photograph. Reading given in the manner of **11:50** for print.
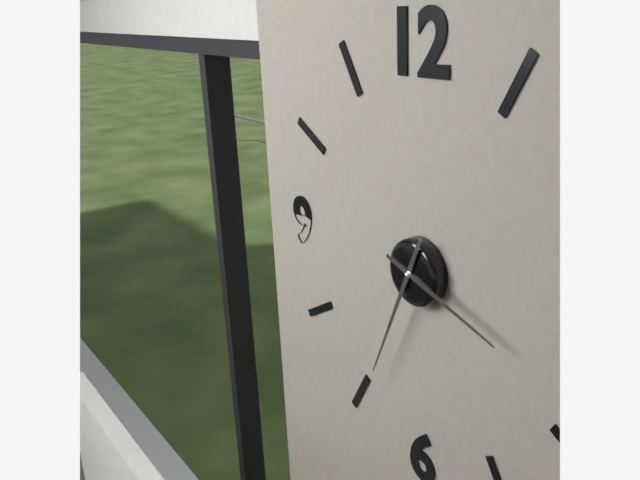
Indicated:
**3:34**
